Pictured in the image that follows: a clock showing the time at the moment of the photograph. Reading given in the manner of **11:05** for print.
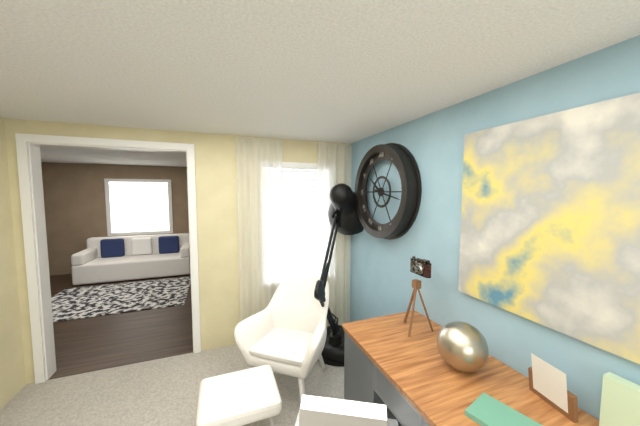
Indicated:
**10:17**
